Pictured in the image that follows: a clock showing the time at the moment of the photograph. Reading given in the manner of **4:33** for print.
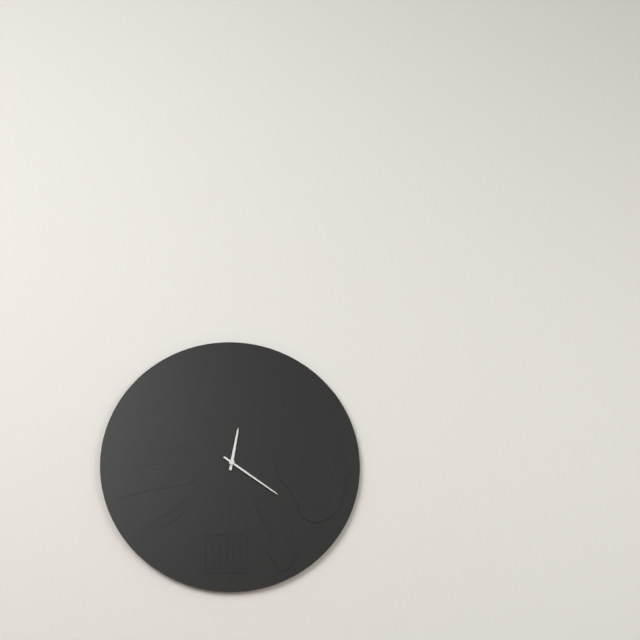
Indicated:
**12:21**
